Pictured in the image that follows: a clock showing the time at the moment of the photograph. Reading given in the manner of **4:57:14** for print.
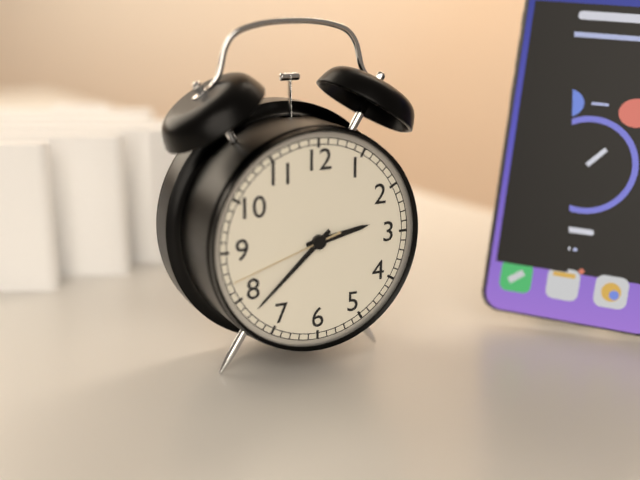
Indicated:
**2:38:42**
